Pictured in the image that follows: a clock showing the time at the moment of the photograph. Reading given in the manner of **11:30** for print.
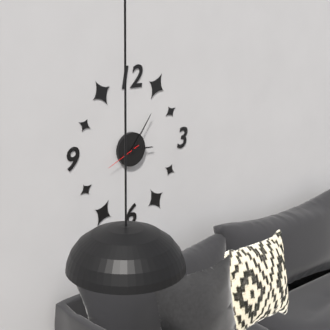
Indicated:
**3:06**
